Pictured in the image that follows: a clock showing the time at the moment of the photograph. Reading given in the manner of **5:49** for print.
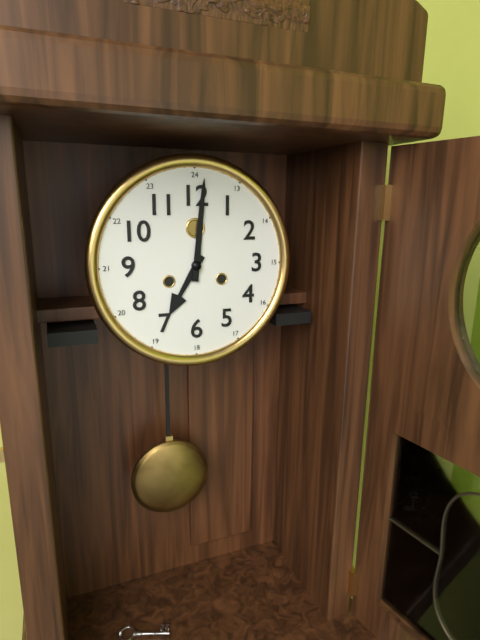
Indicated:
**7:01**
